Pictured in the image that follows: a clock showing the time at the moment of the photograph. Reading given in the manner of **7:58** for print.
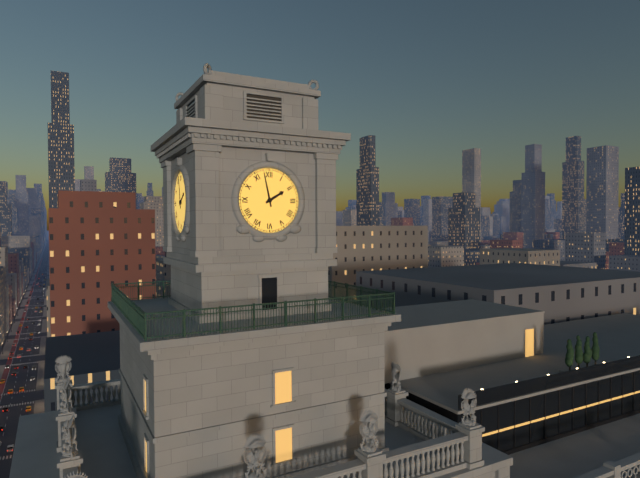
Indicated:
**1:58**
